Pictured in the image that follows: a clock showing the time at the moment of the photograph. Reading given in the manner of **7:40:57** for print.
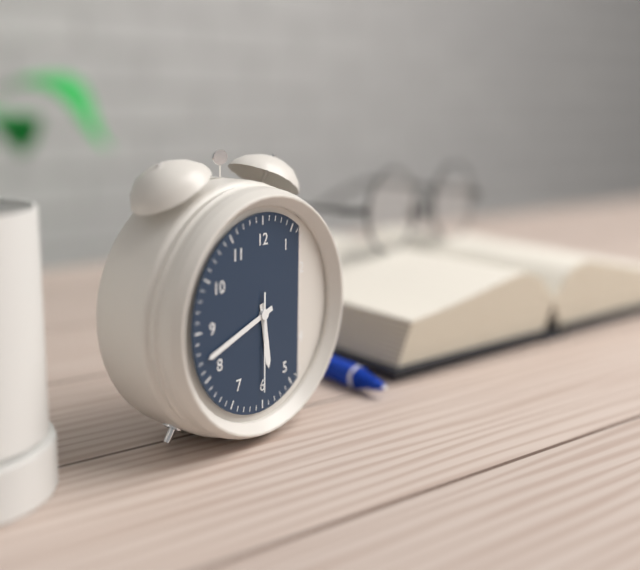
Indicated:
**5:42:30**
